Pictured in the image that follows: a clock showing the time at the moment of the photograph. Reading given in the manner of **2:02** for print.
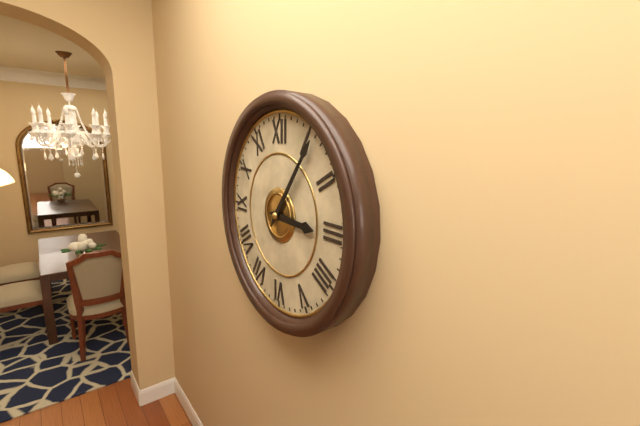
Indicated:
**3:06**
